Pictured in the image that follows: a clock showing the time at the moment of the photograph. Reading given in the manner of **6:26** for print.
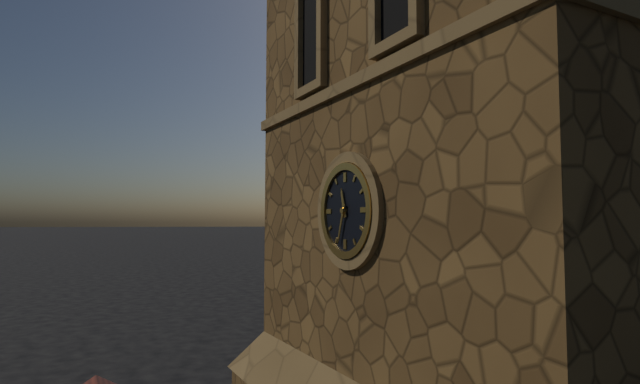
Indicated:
**11:33**
